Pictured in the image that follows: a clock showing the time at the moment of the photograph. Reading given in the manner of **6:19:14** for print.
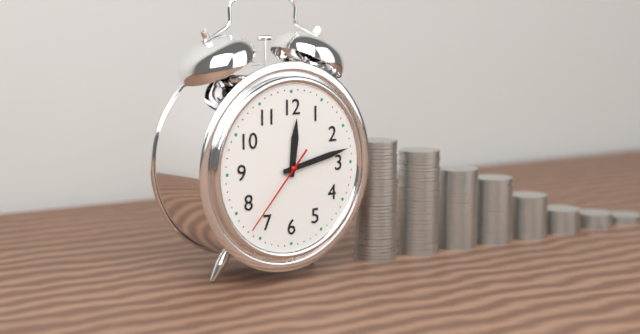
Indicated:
**12:13:37**
